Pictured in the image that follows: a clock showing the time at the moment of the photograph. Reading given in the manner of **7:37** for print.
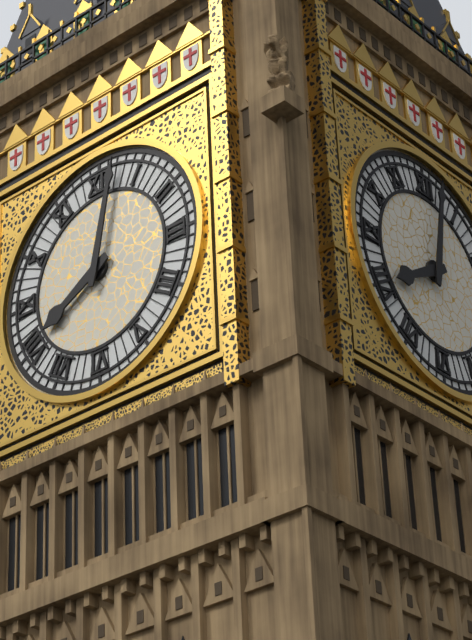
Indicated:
**8:02**
